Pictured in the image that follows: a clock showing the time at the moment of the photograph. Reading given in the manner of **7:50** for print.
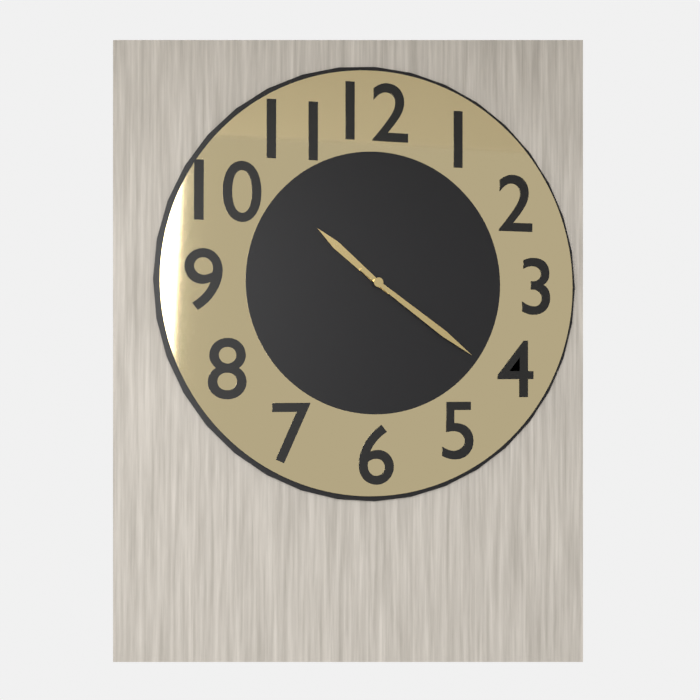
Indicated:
**10:21**
